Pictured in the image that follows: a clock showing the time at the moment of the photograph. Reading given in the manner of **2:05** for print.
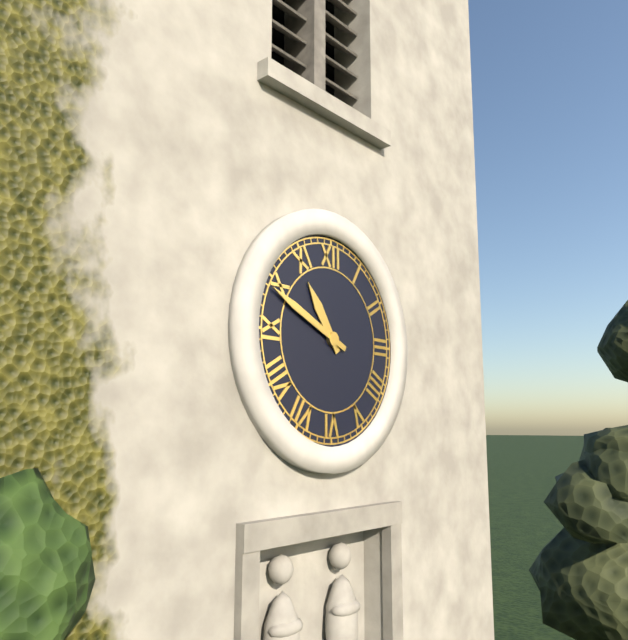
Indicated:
**10:49**
